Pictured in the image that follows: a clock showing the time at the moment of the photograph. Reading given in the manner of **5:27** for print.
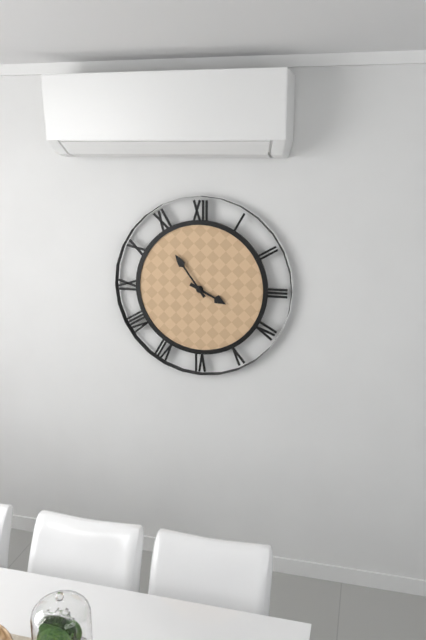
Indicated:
**3:54**
